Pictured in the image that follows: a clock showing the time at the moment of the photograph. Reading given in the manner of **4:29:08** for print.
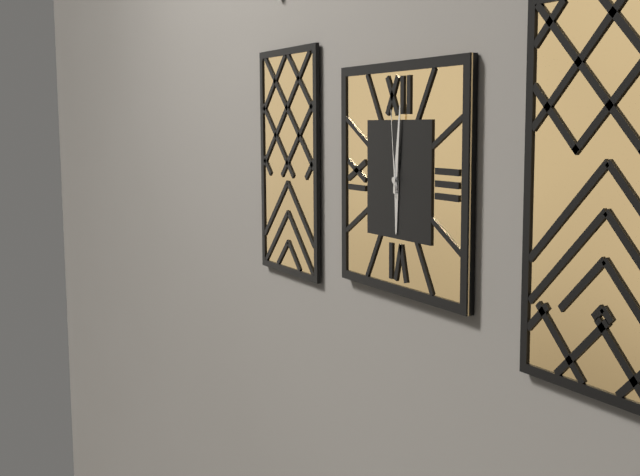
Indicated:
**6:01:59**
